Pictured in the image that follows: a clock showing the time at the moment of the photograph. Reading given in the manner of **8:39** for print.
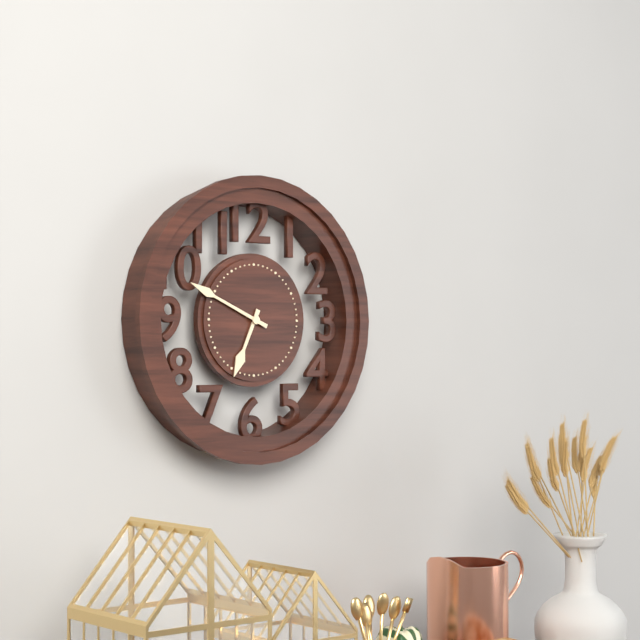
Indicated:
**6:49**
